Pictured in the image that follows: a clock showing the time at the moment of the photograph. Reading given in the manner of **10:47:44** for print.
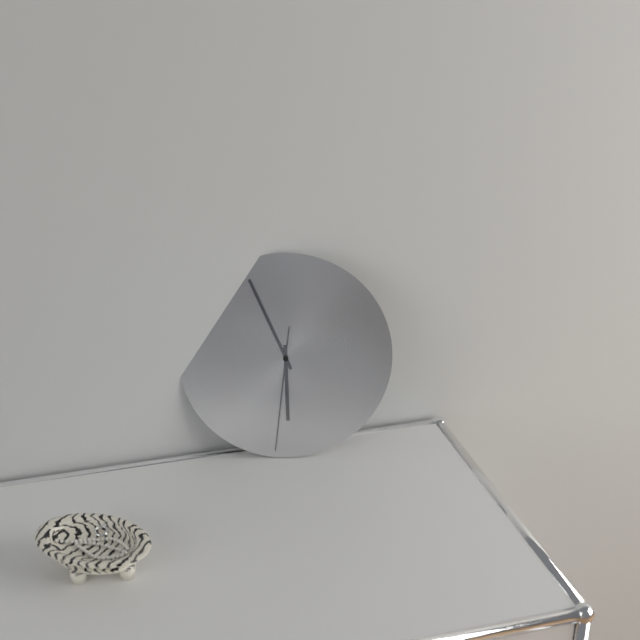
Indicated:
**5:56:31**
